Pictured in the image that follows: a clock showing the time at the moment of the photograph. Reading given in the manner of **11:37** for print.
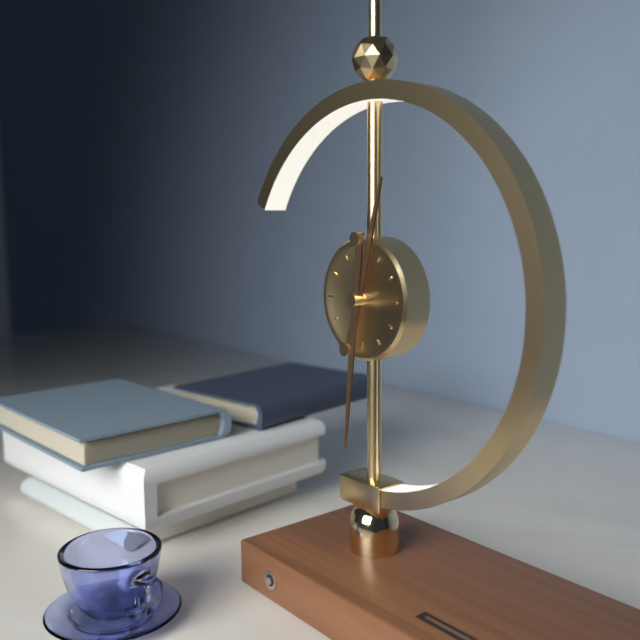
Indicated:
**12:31**
